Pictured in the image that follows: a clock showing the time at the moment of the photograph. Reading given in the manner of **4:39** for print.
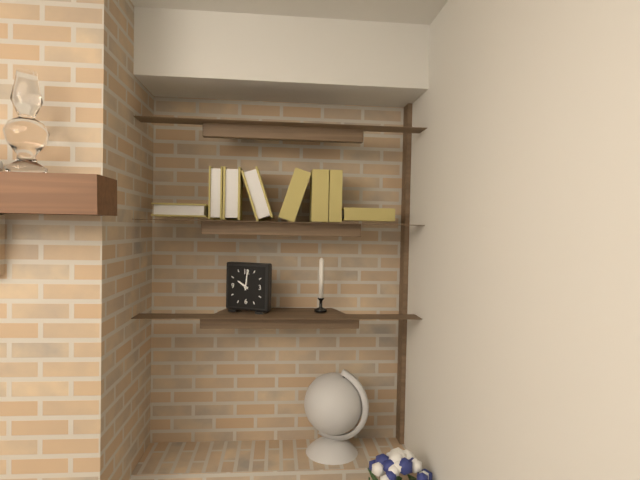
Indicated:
**10:01**
